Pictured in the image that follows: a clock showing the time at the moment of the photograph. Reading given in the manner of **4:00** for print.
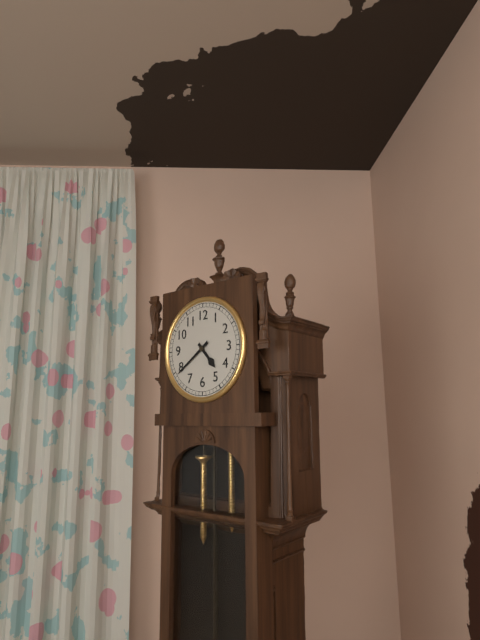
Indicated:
**4:39**
